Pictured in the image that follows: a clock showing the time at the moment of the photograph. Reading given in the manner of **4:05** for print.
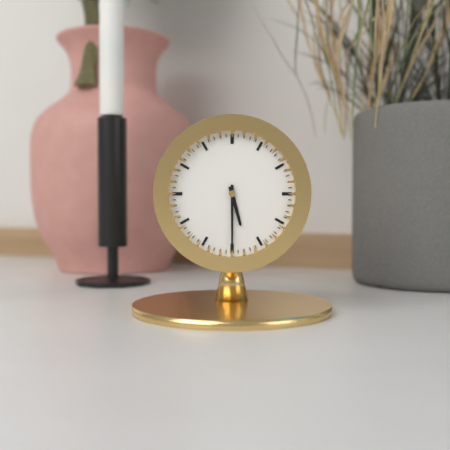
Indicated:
**5:30**
